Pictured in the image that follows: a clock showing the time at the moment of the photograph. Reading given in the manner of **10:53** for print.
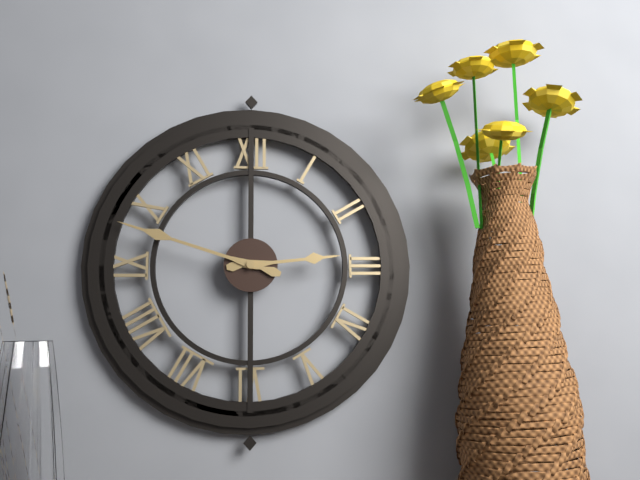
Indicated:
**2:48**
